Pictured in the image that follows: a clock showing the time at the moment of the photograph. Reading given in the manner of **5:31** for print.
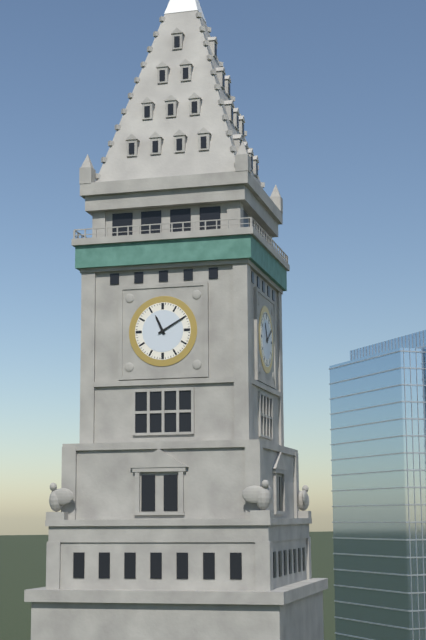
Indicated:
**11:10**
